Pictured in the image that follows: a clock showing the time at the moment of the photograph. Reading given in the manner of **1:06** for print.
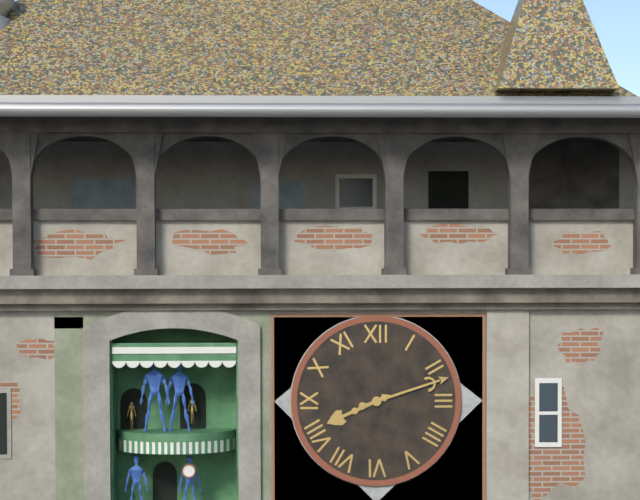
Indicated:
**8:12**
